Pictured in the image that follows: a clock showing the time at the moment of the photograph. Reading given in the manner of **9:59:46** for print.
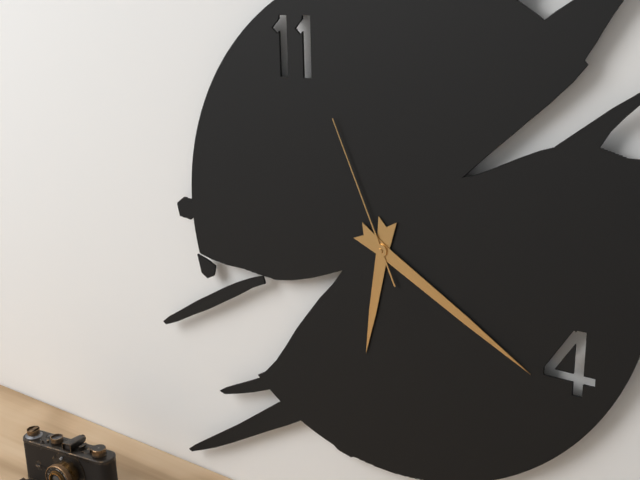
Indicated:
**6:20:56**
